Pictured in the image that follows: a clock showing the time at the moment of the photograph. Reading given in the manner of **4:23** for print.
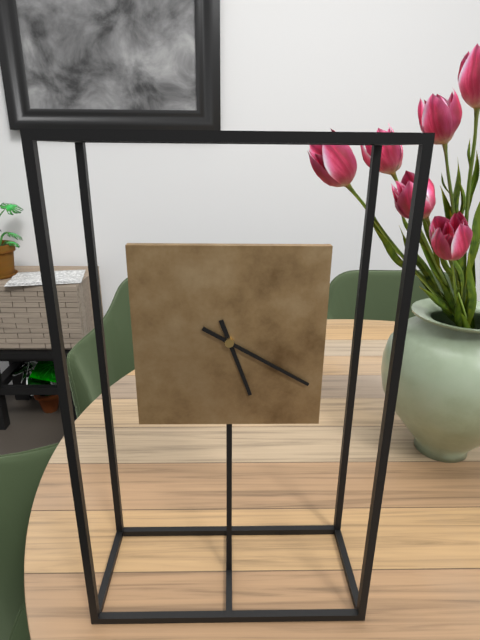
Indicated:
**5:20**
